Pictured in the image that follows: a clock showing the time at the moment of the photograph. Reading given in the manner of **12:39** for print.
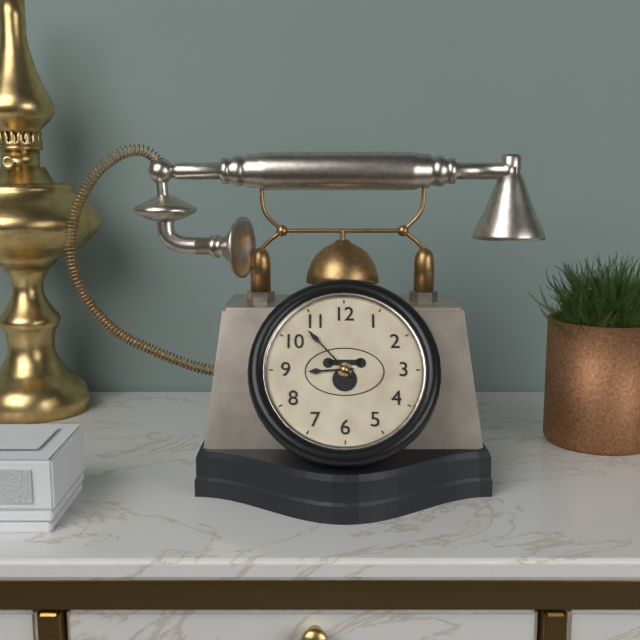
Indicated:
**8:53**
